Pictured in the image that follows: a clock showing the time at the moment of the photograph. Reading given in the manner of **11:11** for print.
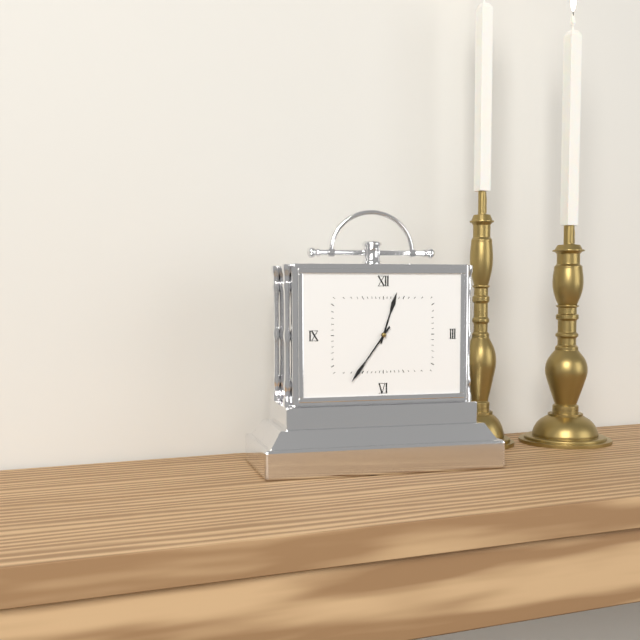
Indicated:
**12:36**
